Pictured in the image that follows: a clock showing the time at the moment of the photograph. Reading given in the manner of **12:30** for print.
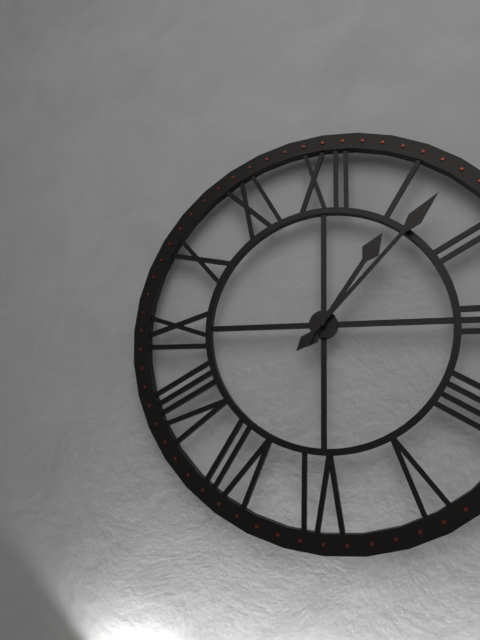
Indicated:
**1:07**
